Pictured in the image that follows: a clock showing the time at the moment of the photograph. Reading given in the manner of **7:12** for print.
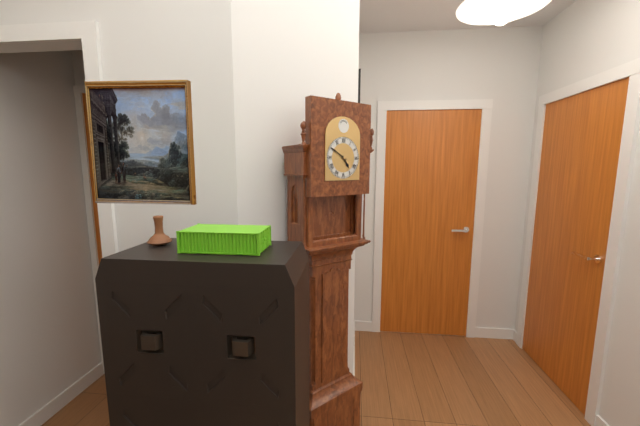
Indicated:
**4:50**
